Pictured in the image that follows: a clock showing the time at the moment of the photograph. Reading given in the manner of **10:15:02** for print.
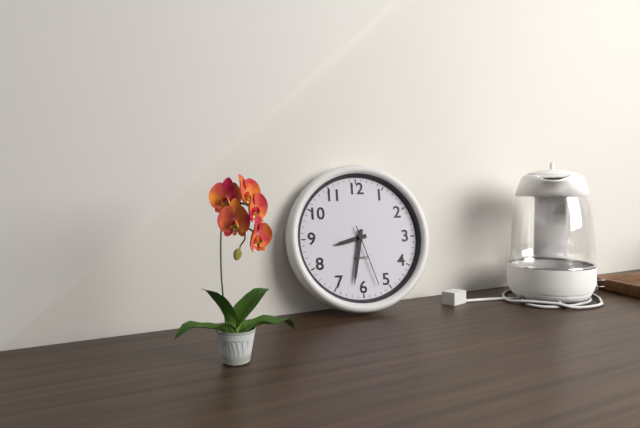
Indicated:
**8:32:27**
